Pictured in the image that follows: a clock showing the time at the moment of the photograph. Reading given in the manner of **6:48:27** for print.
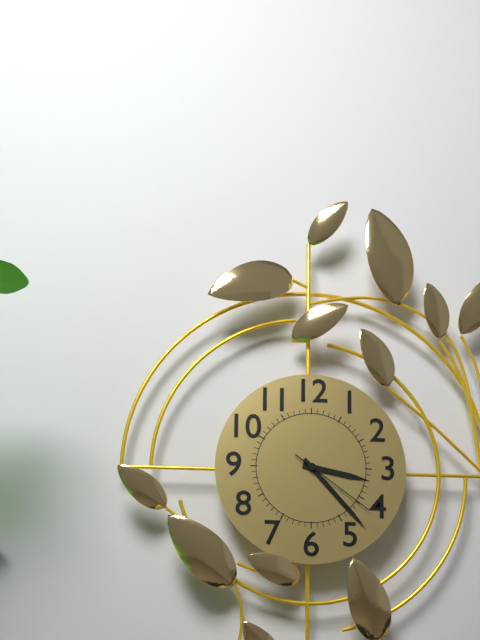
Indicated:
**3:23:21**
